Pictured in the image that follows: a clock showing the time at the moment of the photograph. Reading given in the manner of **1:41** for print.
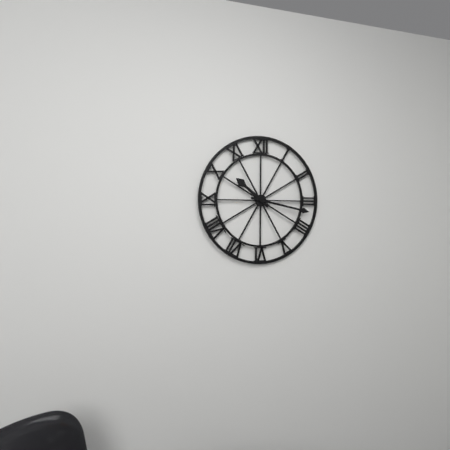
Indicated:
**10:17**
